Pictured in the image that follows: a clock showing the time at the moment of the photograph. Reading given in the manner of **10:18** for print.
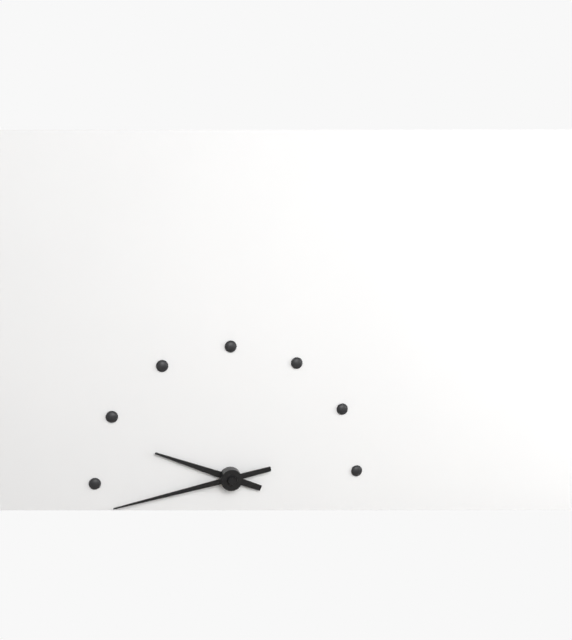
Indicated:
**9:43**
